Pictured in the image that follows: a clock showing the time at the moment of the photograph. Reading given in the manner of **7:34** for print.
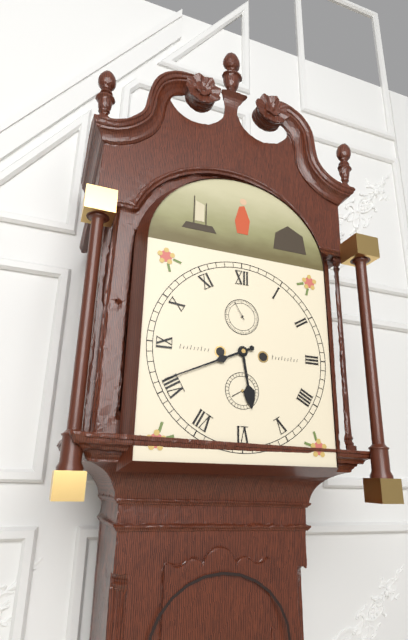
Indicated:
**5:41**
